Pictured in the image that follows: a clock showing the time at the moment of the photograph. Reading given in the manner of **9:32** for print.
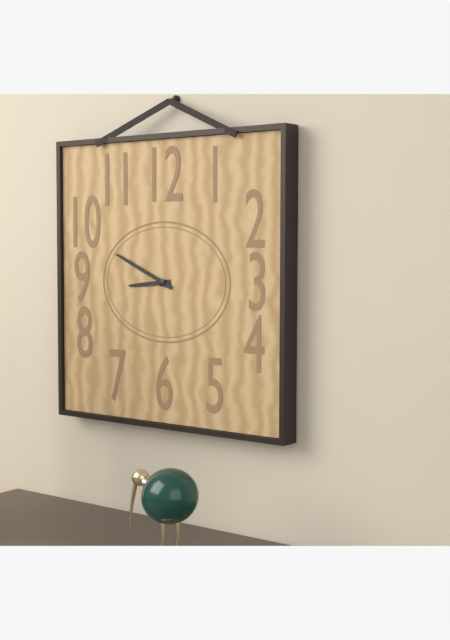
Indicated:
**8:49**
